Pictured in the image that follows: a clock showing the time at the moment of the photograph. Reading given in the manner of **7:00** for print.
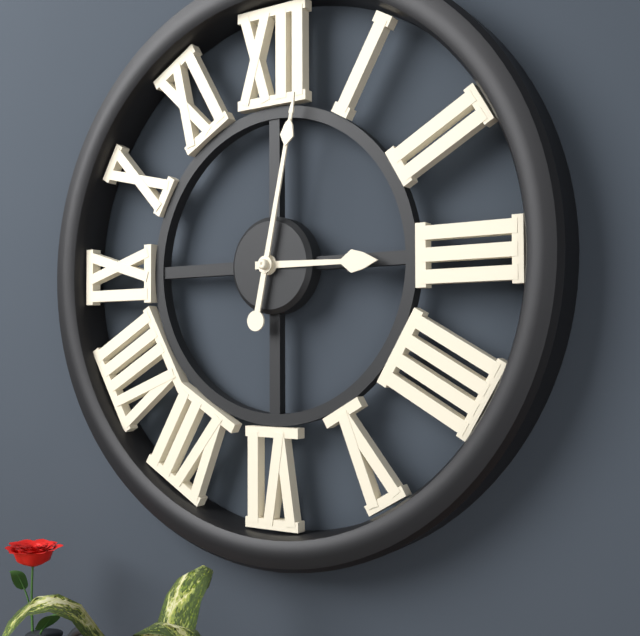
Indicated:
**3:02**
